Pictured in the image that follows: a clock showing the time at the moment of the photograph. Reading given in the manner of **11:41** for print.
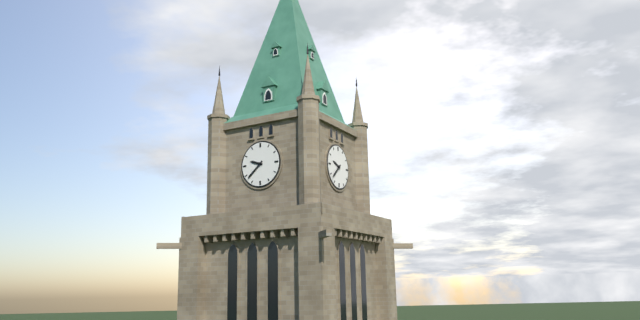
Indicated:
**9:38**
